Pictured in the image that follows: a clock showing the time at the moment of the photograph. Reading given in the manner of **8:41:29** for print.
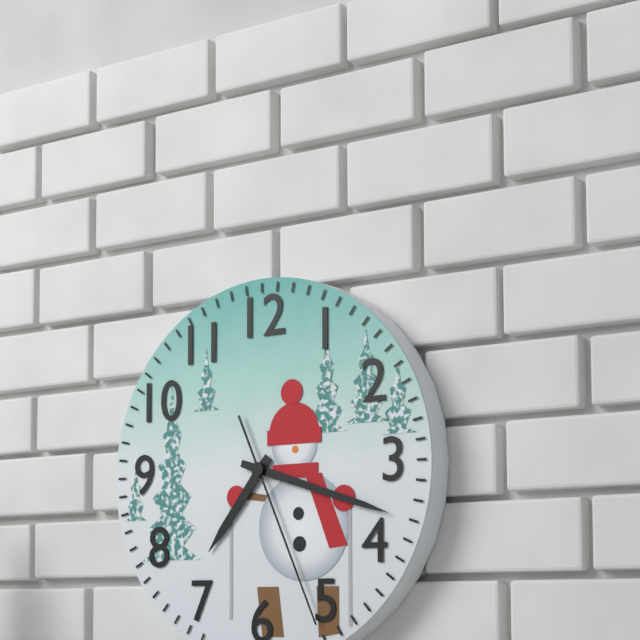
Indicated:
**7:18:26**
